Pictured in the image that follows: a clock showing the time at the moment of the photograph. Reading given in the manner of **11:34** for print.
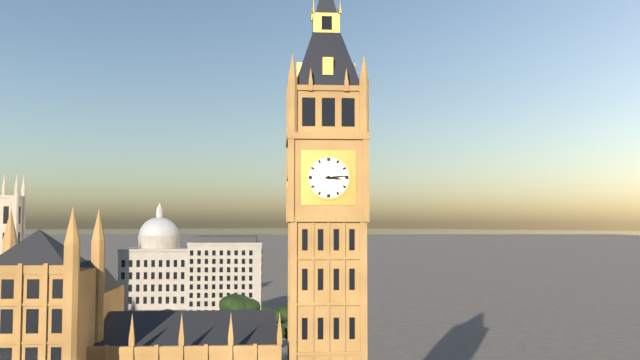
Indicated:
**3:14**
